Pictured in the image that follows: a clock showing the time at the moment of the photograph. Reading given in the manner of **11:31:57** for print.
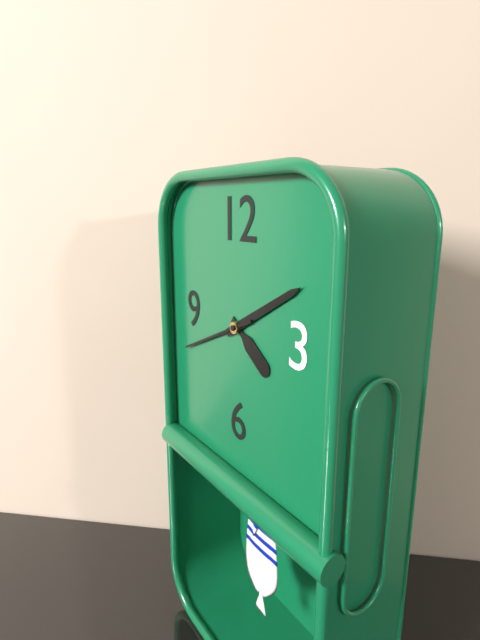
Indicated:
**4:10:41**
